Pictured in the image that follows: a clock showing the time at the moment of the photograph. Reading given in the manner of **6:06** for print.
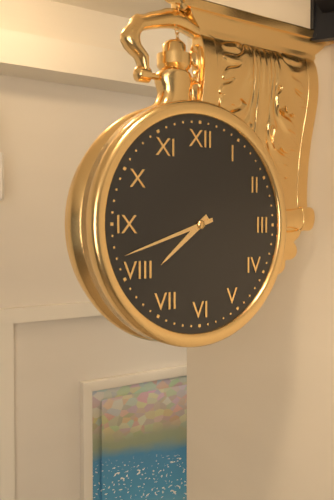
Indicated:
**7:42**
